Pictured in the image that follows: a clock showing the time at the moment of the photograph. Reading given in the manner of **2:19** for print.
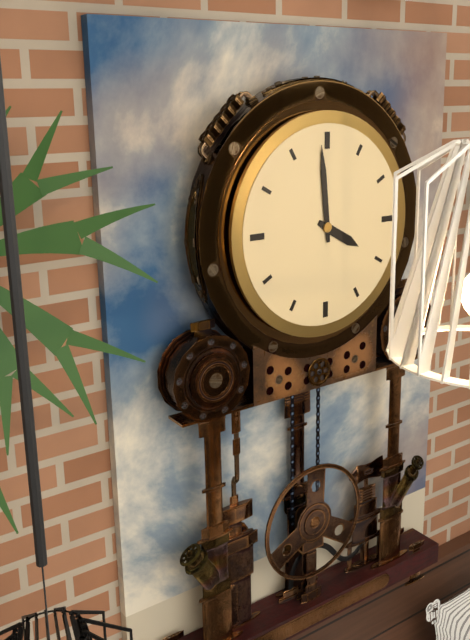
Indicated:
**3:59**
